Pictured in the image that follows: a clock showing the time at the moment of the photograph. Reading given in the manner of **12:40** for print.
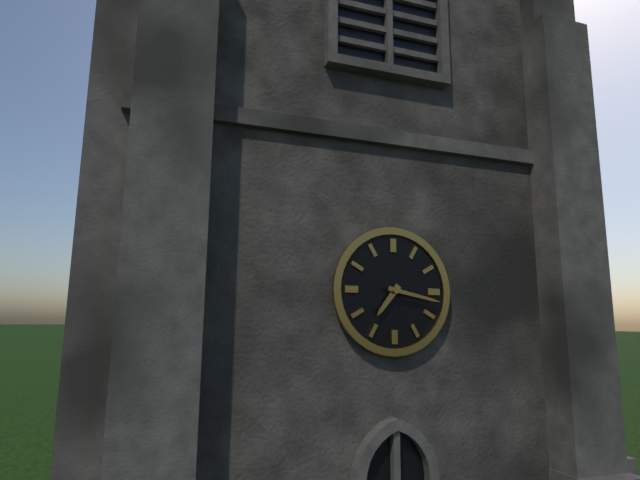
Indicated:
**7:17**
